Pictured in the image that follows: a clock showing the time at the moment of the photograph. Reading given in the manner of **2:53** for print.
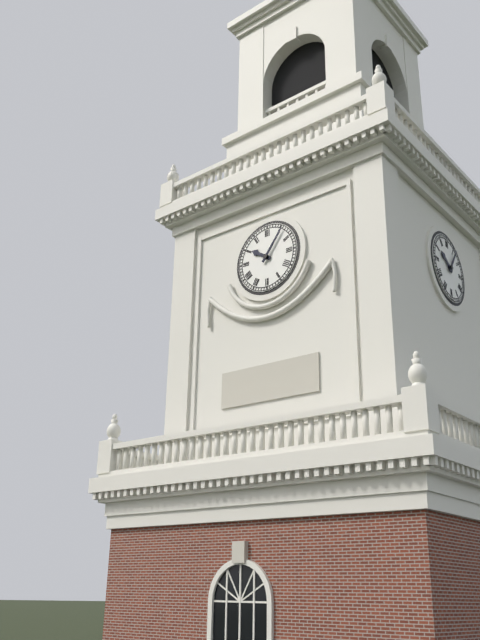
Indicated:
**10:06**
